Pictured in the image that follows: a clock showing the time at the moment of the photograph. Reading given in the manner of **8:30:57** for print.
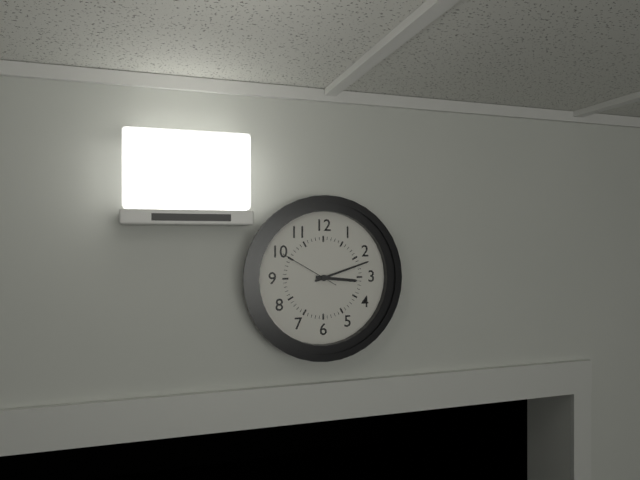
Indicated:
**3:12:50**
